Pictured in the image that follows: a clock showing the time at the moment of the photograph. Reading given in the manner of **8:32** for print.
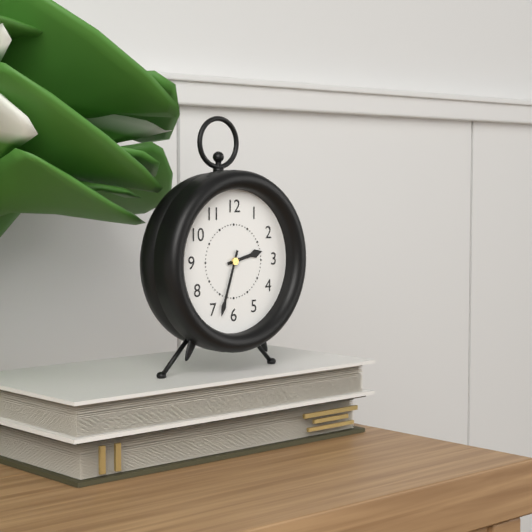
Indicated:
**2:33**
